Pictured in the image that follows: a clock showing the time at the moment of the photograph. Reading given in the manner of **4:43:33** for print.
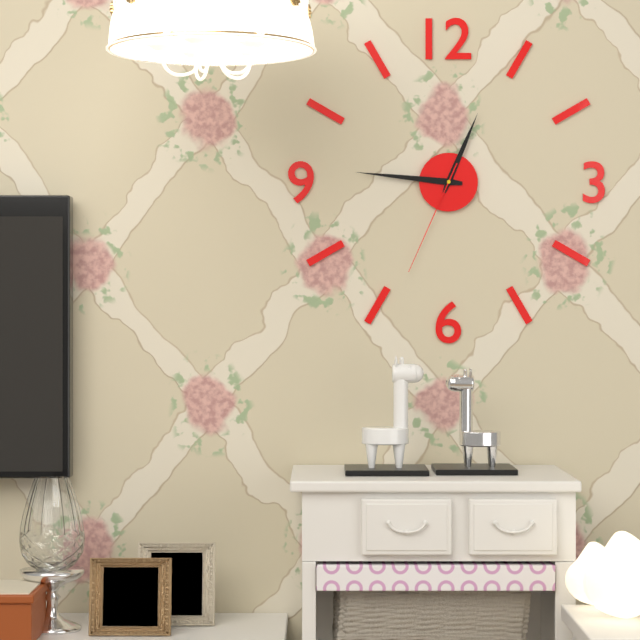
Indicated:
**12:46:34**
